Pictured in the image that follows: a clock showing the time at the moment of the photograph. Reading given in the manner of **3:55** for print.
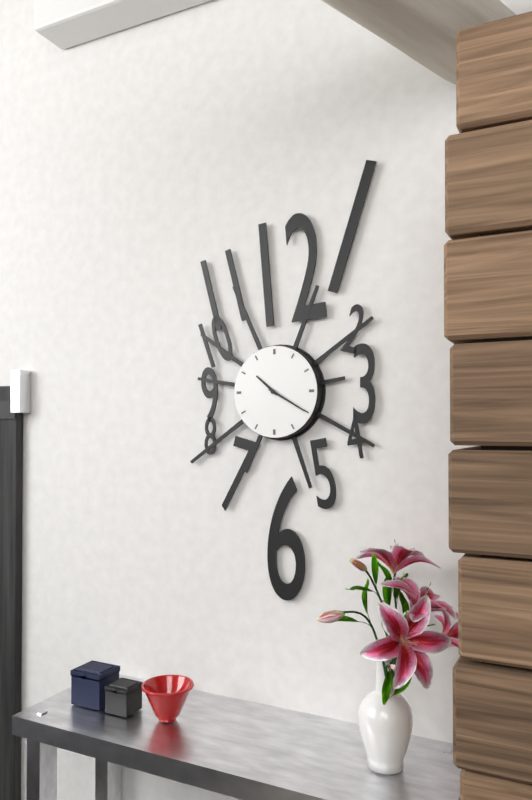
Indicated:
**10:20**
